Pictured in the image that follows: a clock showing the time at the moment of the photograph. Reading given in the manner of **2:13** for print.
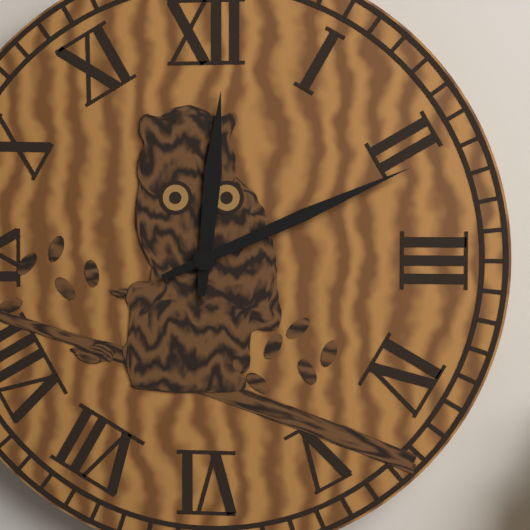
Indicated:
**12:11**
